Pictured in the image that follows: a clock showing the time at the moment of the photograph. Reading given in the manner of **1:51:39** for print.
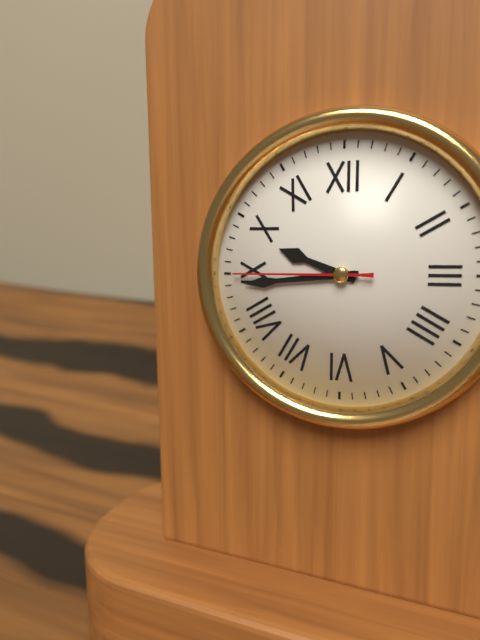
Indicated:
**9:44:45**
